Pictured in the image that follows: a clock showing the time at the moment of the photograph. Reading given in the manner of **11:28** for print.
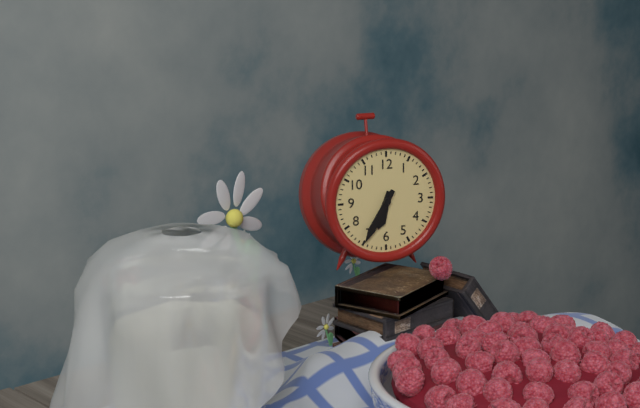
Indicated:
**6:35**
